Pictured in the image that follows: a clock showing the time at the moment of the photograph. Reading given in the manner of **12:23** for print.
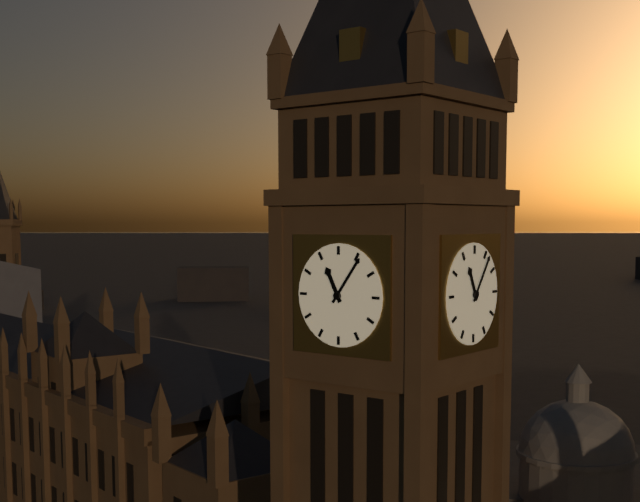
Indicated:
**11:06**
